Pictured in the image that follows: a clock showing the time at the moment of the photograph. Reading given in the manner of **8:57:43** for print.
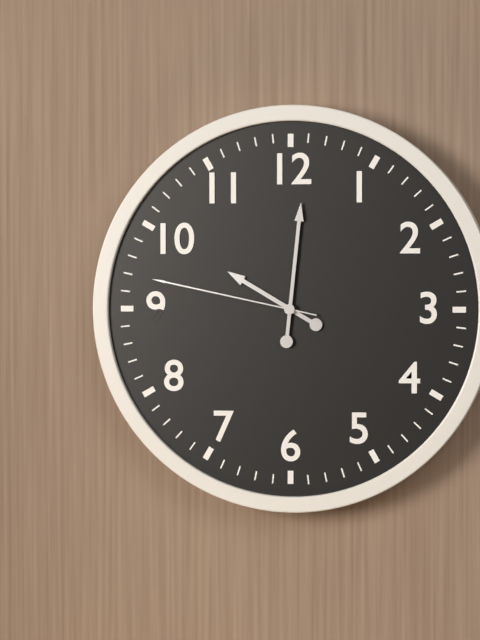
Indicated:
**10:01:47**
